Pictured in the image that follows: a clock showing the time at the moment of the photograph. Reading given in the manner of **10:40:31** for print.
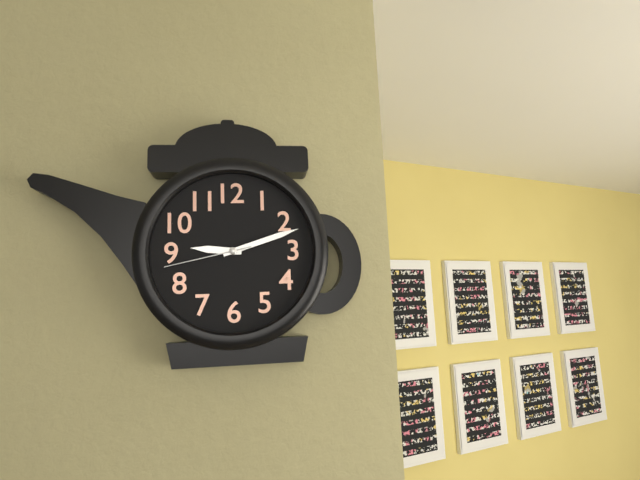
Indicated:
**9:12:43**
